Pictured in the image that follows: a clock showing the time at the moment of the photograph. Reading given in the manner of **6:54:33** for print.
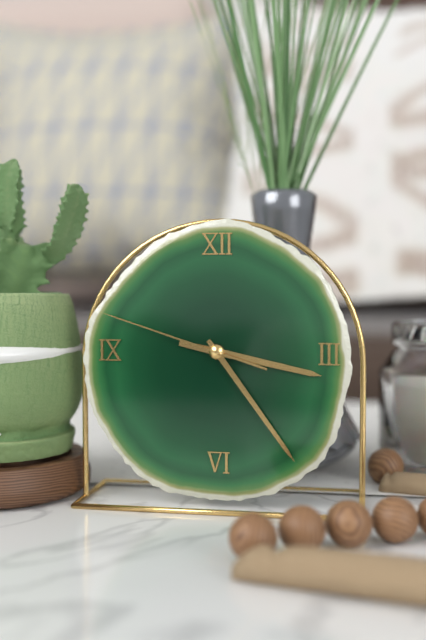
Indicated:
**3:24:48**
